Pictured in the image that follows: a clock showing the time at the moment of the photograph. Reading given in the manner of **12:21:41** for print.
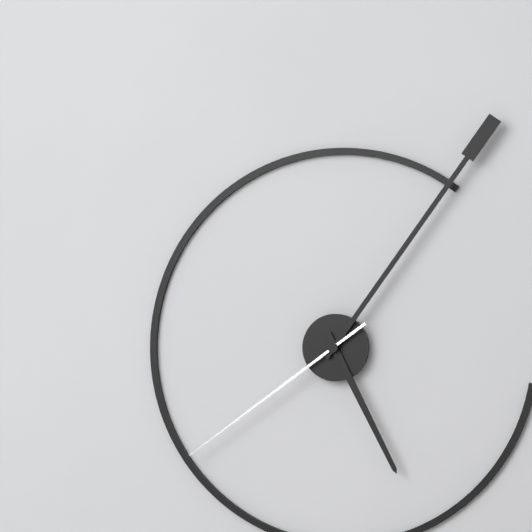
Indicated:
**5:06:39**
